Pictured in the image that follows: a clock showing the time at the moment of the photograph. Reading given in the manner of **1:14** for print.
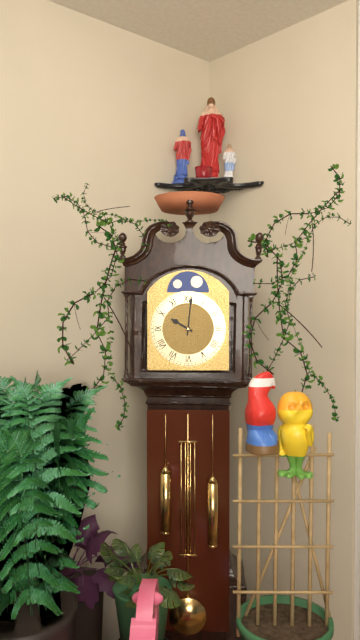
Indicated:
**10:01**
